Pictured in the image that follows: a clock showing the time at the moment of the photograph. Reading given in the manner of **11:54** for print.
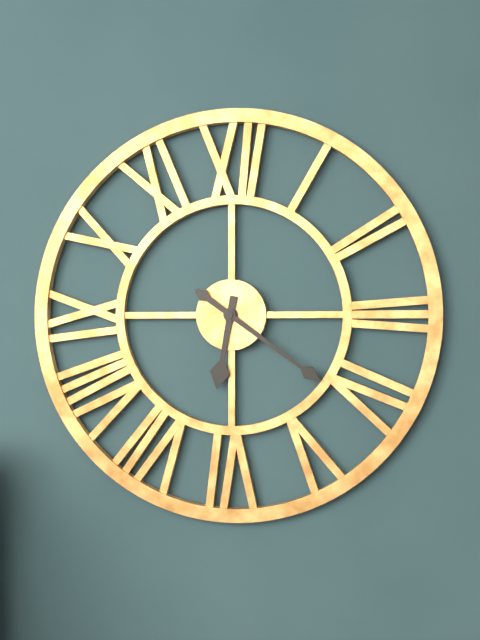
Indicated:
**6:21**
